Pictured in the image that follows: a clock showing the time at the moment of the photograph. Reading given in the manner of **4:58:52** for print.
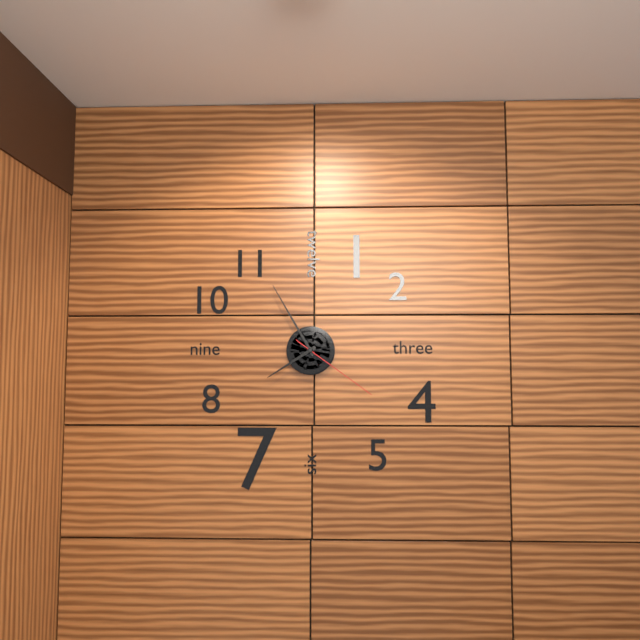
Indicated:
**7:55:21**
